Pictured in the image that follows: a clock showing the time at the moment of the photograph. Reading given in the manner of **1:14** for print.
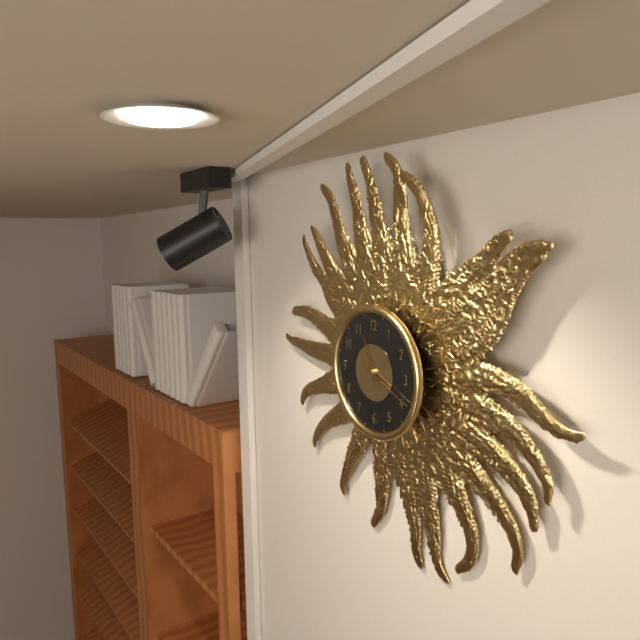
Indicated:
**11:19**
